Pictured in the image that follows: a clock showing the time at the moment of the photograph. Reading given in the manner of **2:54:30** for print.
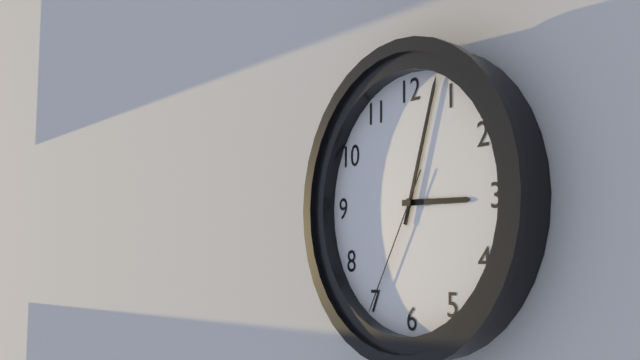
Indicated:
**3:03:35**
